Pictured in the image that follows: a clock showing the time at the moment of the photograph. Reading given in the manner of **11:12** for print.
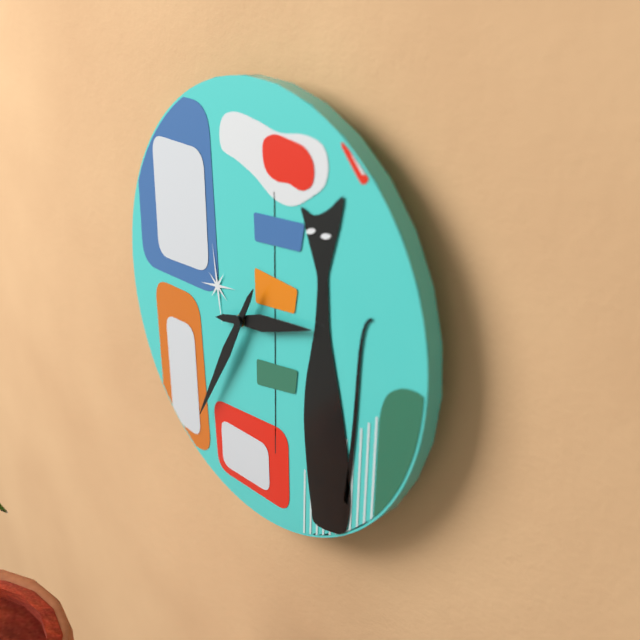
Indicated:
**2:35**
